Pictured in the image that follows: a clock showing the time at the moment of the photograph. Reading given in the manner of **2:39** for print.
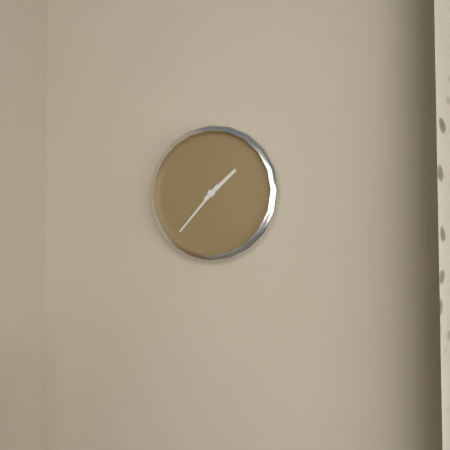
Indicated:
**1:37**
